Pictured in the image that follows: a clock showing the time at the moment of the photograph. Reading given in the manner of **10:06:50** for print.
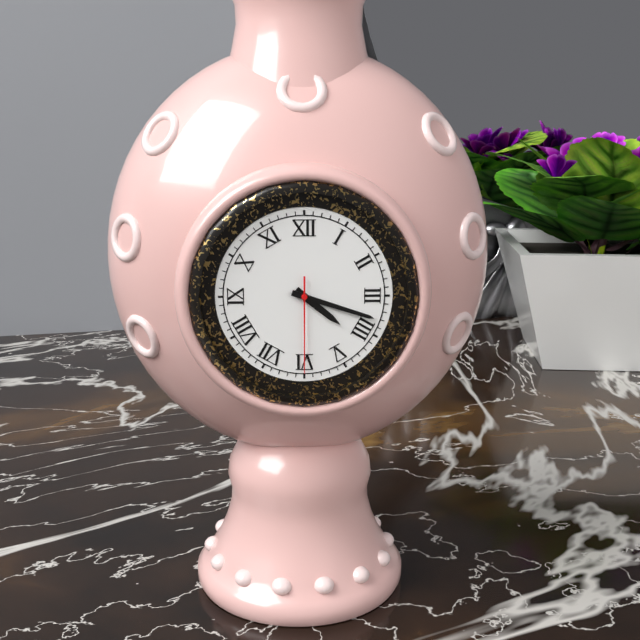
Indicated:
**4:18:30**
